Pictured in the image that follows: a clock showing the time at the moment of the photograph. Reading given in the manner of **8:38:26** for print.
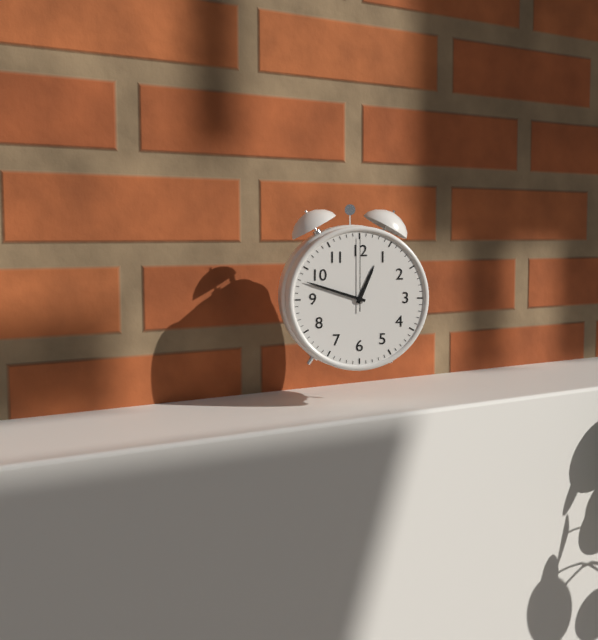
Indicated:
**12:48:00**
